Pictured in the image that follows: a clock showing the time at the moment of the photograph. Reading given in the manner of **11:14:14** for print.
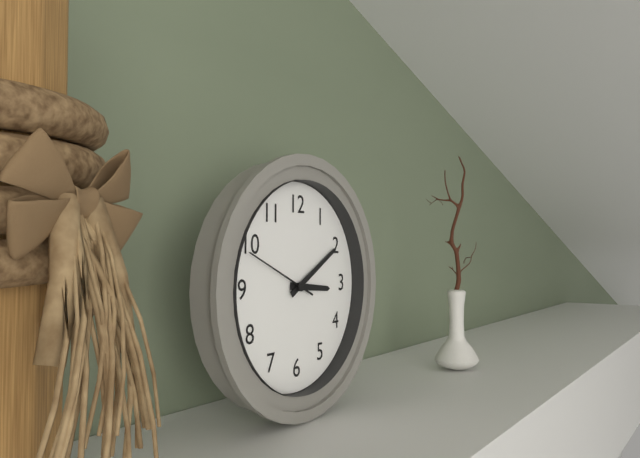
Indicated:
**3:10:49**
